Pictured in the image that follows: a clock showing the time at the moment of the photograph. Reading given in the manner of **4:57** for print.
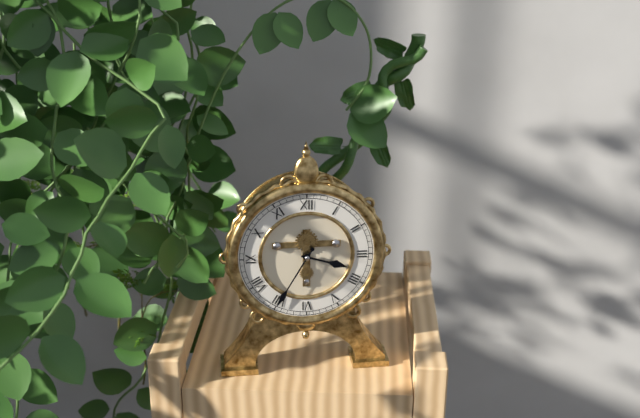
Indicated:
**3:35**
